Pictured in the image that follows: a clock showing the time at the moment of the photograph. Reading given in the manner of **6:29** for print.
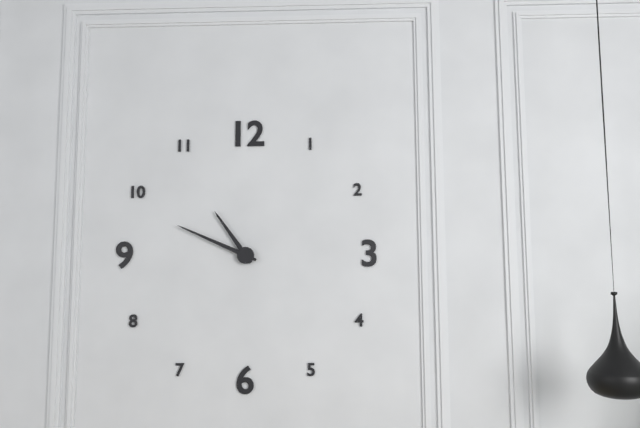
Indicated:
**10:49**
